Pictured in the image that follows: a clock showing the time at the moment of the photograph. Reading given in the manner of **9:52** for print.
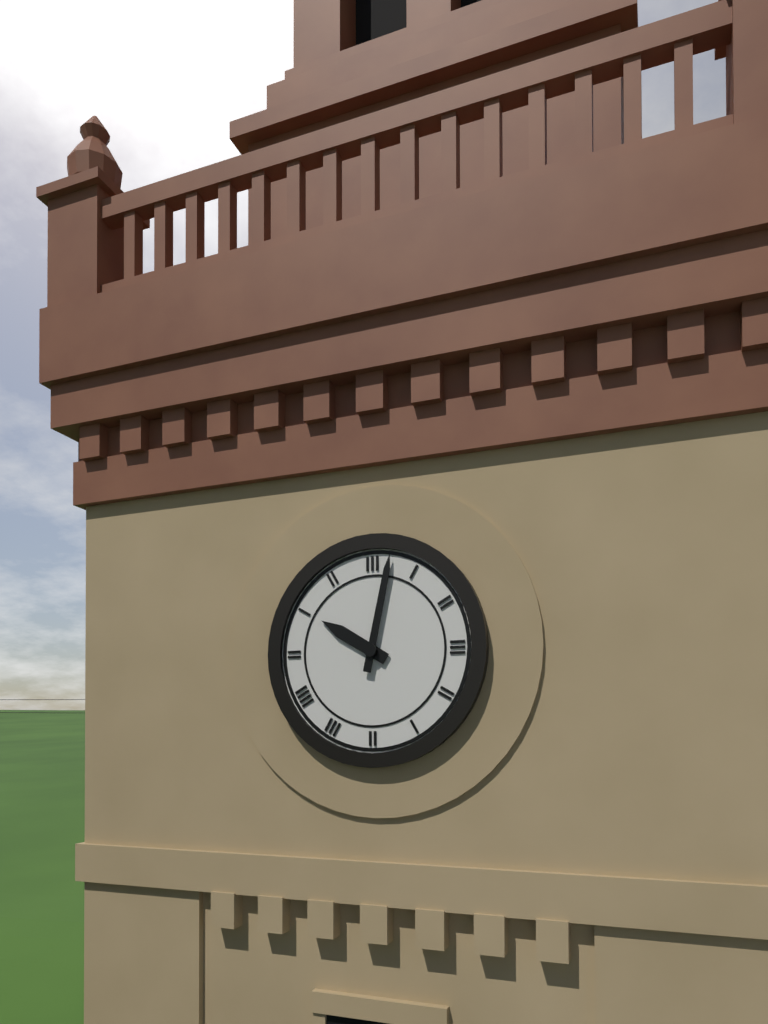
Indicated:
**10:02**
